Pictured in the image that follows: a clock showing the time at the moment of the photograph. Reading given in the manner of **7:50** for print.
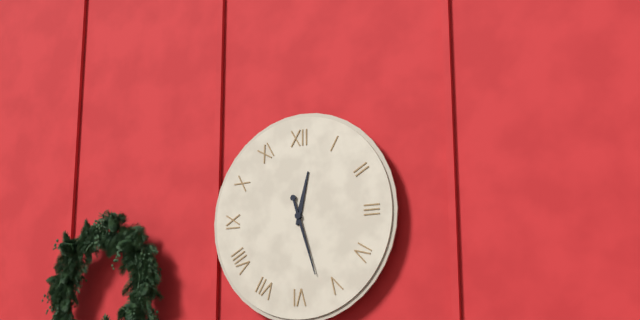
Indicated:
**12:27**
